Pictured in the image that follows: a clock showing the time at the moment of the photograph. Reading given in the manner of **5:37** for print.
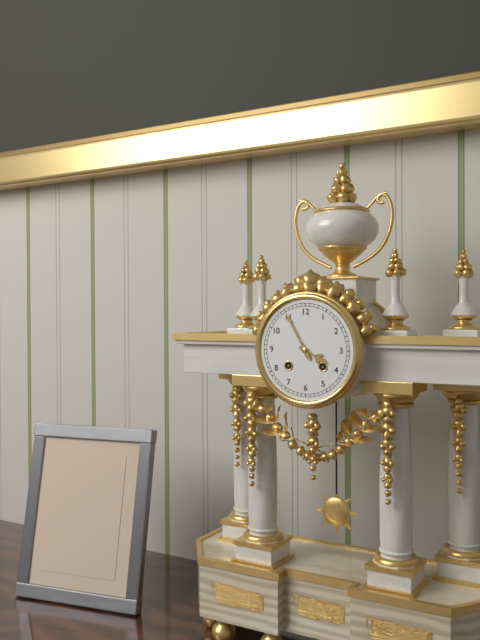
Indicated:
**3:55**
